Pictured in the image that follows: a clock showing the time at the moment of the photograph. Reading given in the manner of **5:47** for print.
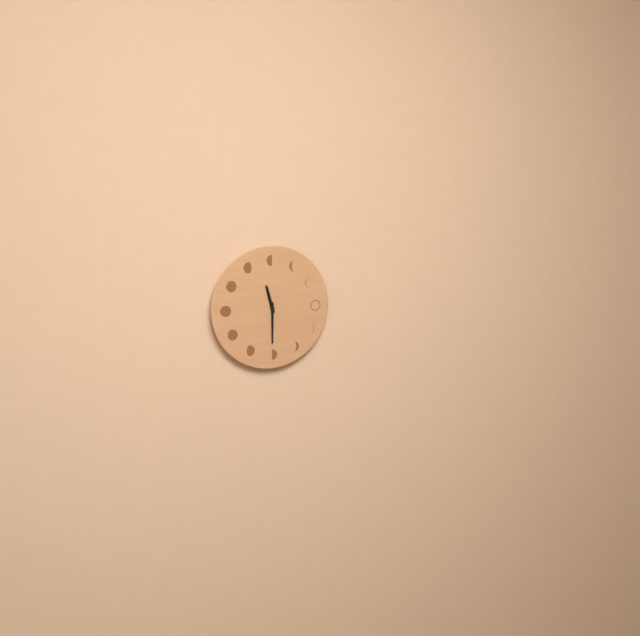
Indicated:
**11:30**
